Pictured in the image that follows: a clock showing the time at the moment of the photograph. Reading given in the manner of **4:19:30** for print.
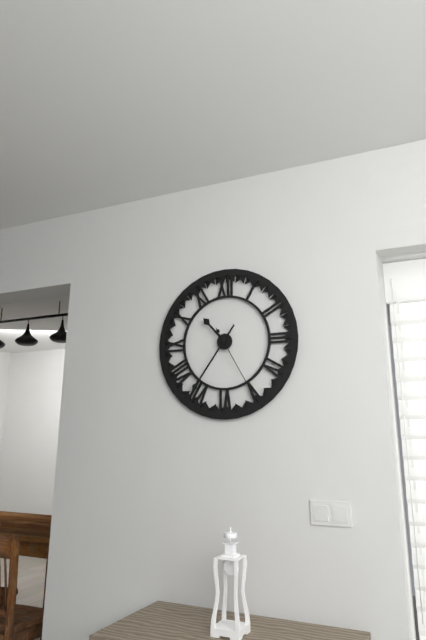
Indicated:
**10:36:25**
